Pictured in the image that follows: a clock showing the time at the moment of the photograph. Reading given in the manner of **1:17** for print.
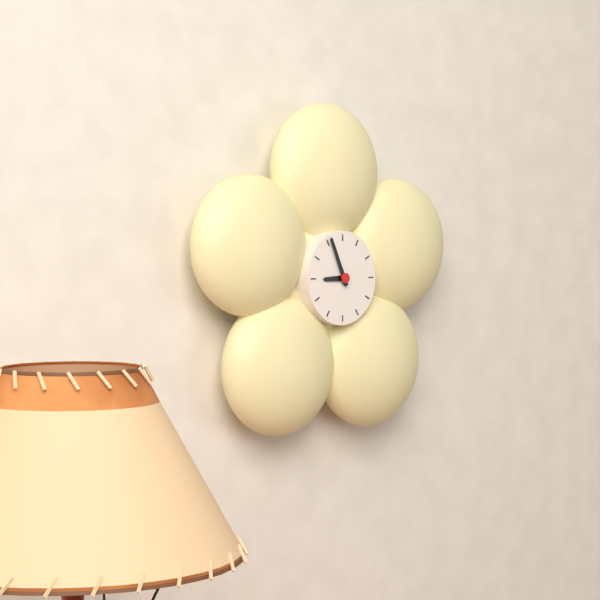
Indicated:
**8:56**
